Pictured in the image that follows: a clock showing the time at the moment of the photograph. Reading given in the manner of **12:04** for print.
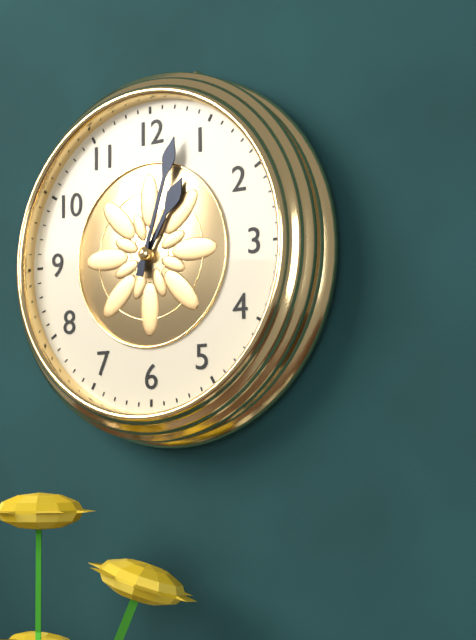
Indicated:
**1:03**
